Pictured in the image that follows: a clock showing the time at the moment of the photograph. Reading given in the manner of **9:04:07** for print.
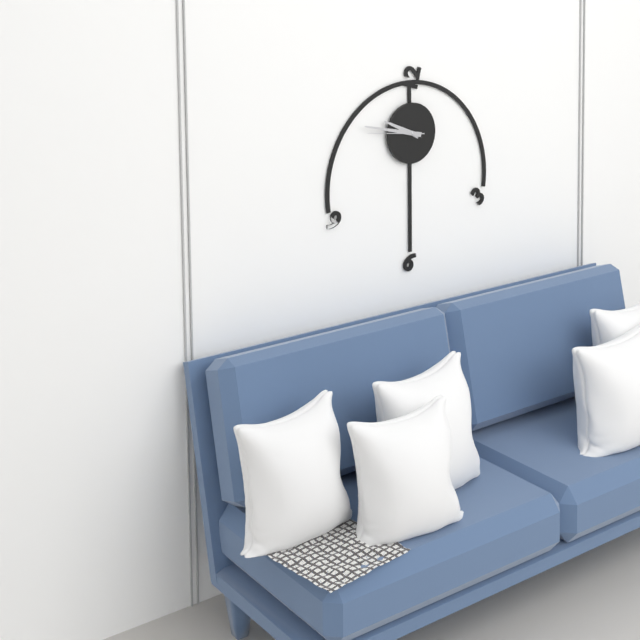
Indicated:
**9:47:46**
